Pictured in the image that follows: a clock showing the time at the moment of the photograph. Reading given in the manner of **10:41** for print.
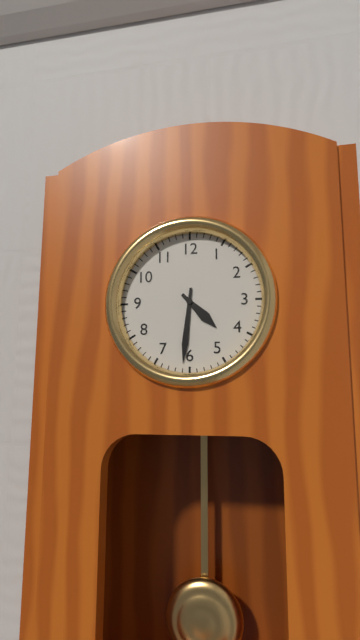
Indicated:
**4:31**
